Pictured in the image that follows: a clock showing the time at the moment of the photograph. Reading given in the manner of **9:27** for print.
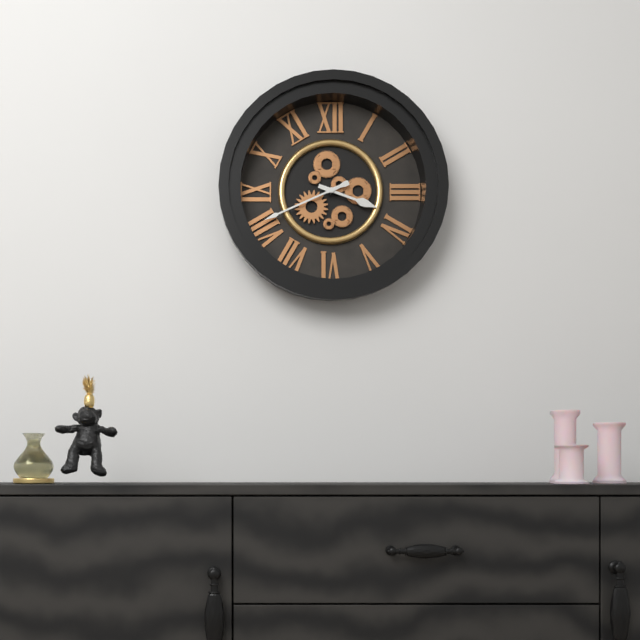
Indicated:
**3:41**
